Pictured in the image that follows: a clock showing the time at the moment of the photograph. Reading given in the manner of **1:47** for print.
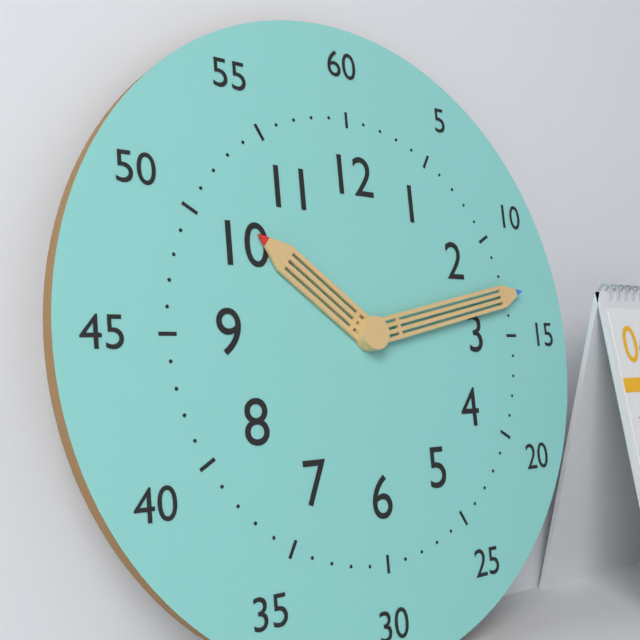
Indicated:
**10:13**
